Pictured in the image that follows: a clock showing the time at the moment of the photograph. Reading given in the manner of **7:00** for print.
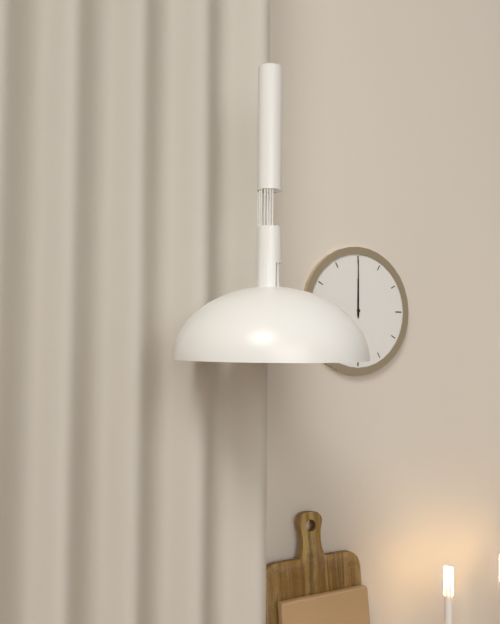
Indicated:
**12:00**
